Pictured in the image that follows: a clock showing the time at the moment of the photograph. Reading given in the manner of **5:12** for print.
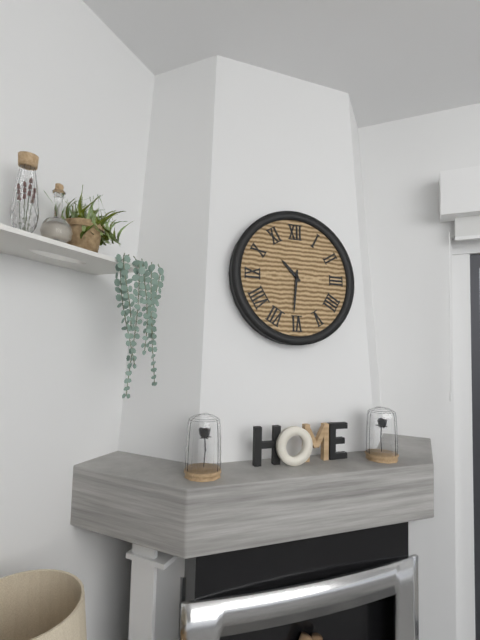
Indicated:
**10:31**
